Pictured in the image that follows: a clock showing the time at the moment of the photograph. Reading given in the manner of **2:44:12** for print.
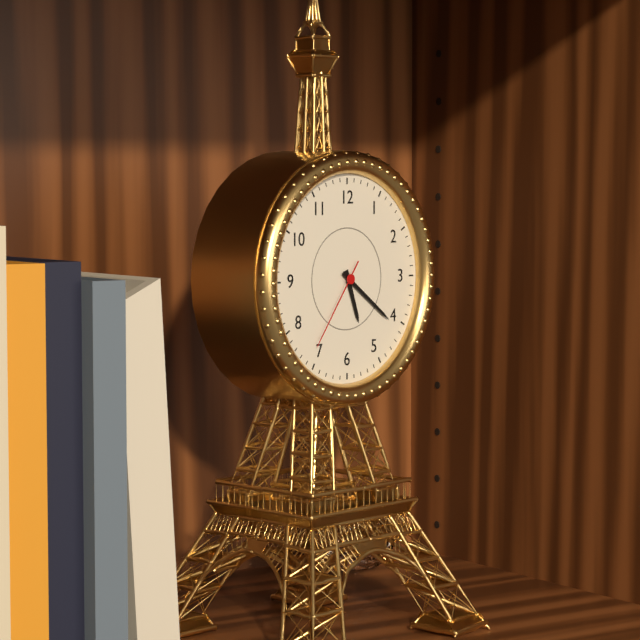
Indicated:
**5:21:36**
